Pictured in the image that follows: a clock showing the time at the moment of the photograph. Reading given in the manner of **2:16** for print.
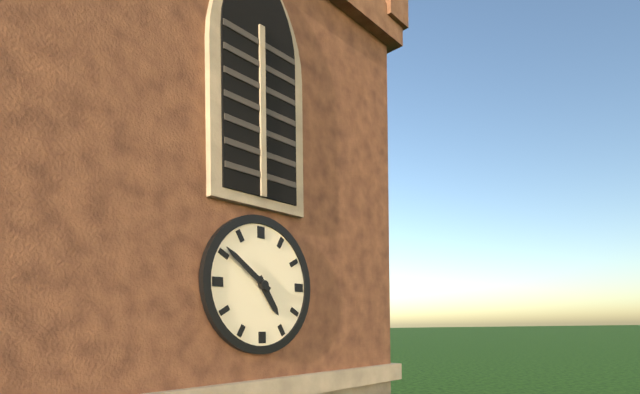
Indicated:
**4:51**
